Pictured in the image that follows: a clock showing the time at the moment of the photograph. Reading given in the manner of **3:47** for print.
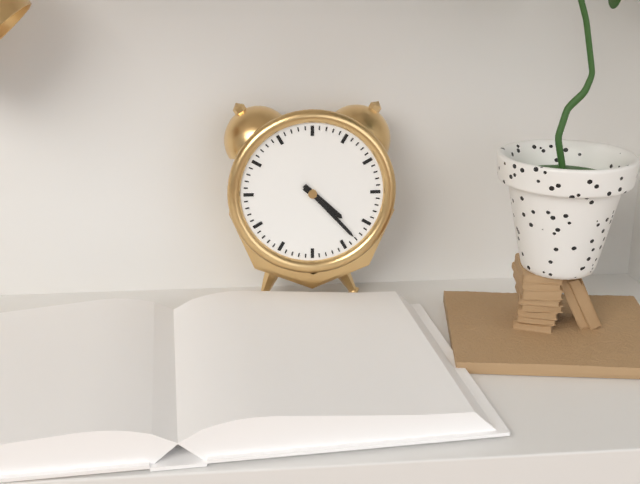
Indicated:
**4:23**
